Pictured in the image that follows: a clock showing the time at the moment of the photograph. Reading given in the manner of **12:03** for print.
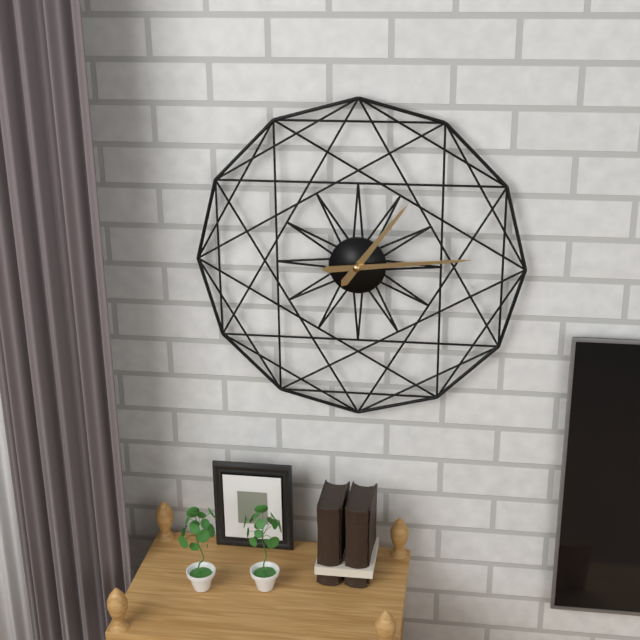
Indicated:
**1:14**
